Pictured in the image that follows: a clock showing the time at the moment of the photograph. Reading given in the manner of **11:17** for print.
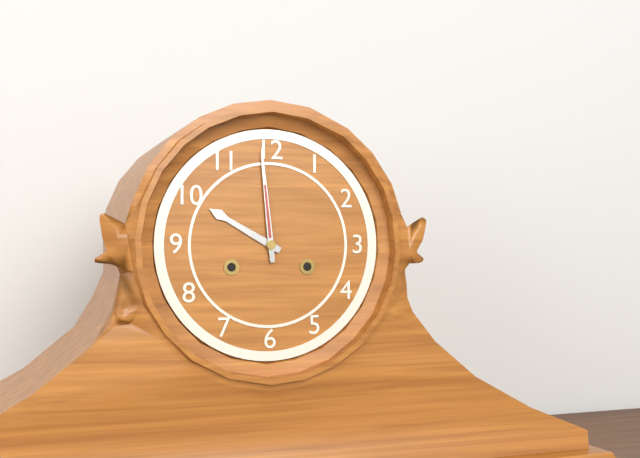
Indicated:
**9:59**
